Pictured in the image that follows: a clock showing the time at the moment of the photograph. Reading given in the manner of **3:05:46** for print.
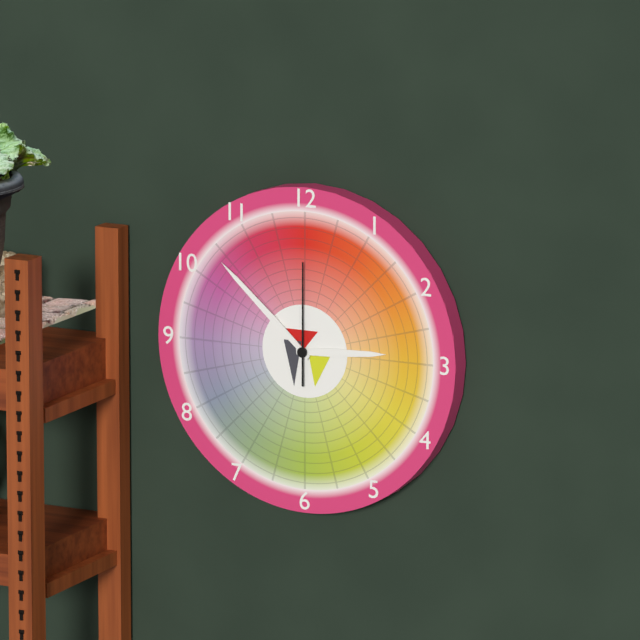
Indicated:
**2:52:00**
